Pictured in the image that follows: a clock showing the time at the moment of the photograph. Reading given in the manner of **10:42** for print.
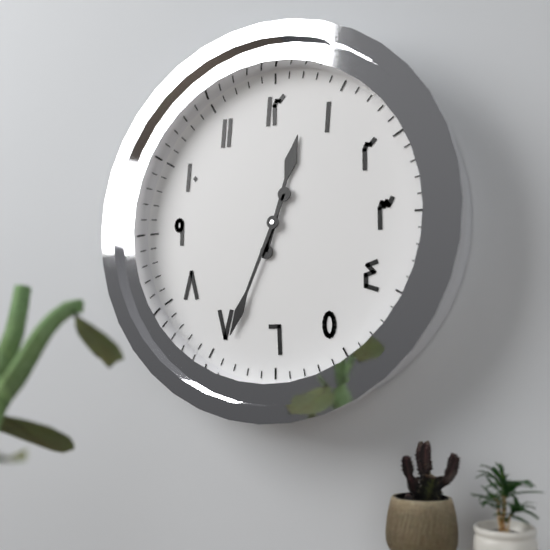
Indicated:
**12:34**
